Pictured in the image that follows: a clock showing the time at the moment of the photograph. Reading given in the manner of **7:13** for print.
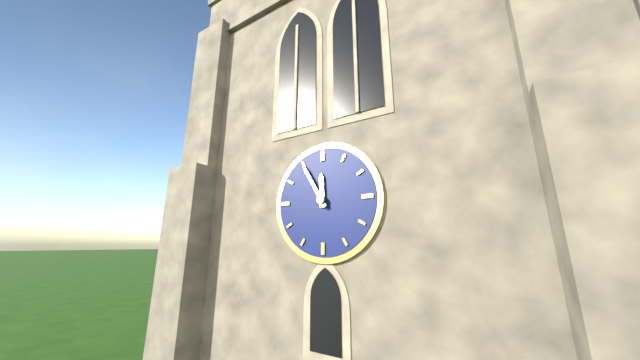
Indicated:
**11:55**
